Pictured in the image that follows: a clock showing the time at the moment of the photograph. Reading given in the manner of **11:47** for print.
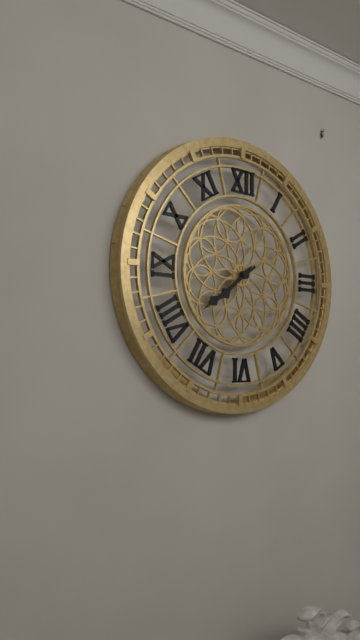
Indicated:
**7:39**
